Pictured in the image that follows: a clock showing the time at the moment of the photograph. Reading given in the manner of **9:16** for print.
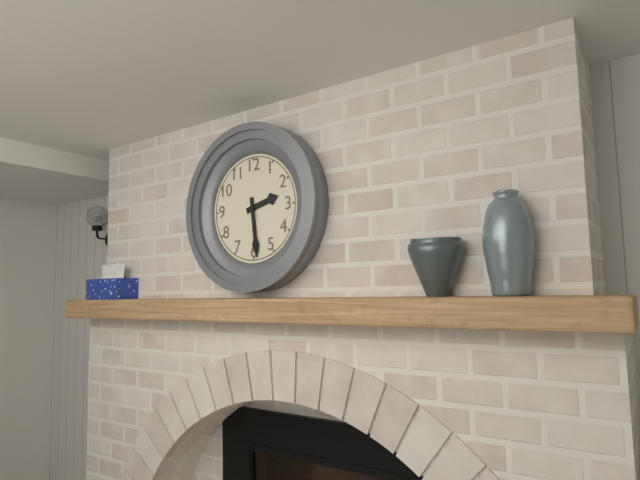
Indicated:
**2:29**
